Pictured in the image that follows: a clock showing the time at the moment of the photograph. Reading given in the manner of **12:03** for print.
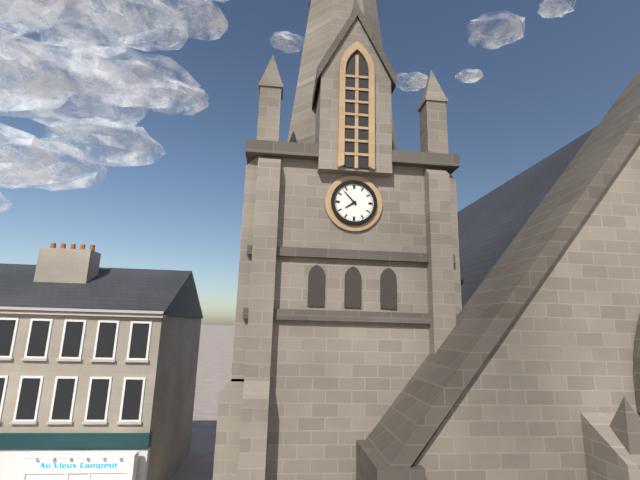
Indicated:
**7:53**
